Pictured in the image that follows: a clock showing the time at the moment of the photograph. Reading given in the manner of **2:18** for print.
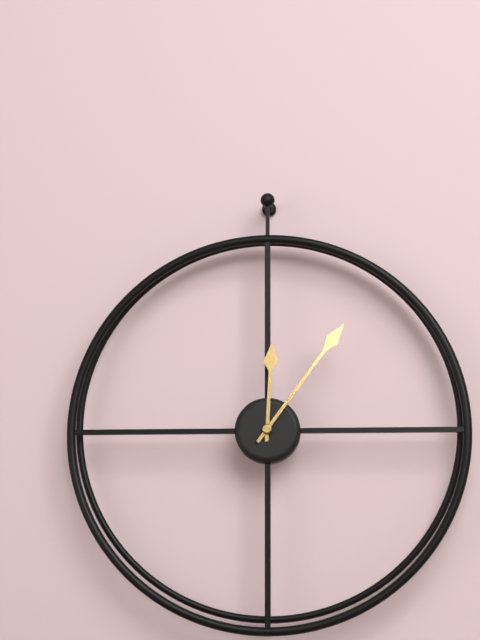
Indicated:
**12:06**
